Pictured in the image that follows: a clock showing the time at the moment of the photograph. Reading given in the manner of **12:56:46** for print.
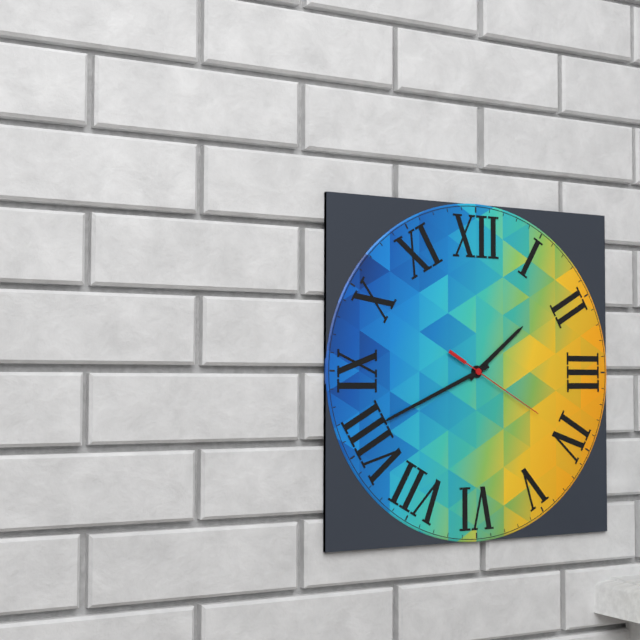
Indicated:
**1:41:20**
